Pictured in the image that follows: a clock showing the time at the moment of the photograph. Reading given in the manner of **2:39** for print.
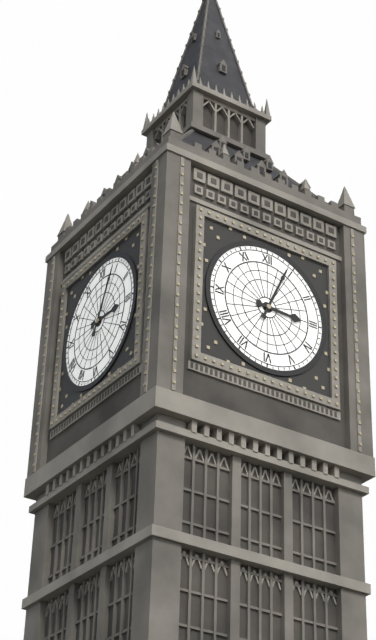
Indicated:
**3:04**
